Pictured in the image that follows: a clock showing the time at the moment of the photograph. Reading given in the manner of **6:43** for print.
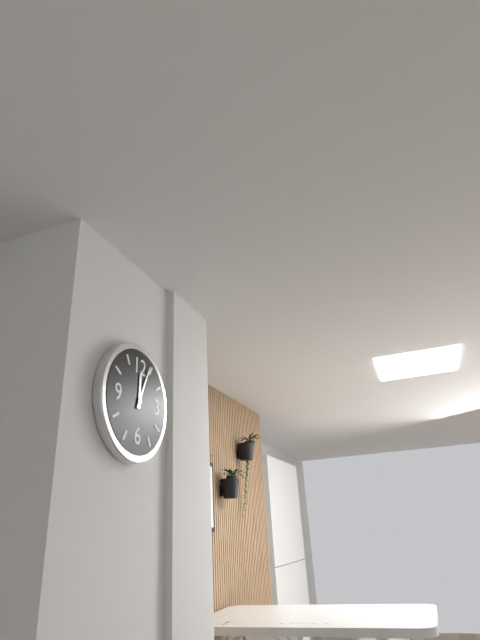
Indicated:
**12:04**
